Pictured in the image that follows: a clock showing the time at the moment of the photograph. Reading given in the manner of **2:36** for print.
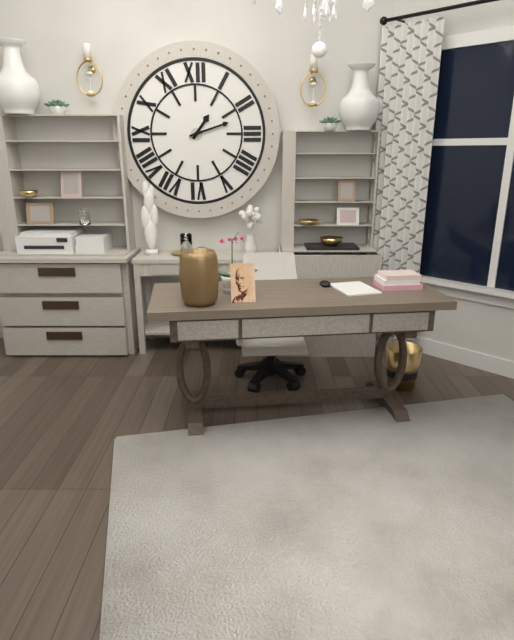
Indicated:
**1:12**
